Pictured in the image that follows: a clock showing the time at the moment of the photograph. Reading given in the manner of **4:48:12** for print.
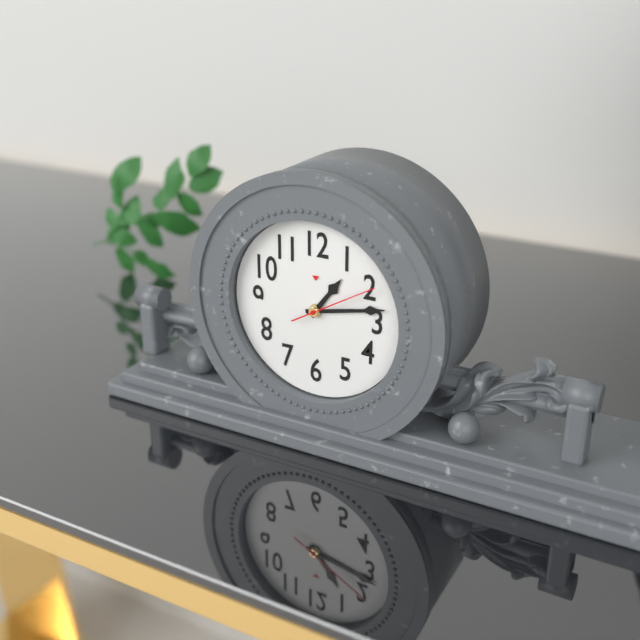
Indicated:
**1:13:10**
